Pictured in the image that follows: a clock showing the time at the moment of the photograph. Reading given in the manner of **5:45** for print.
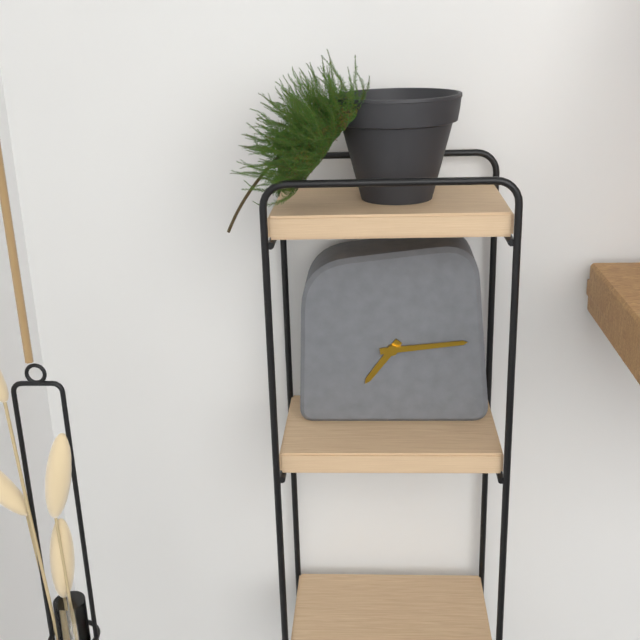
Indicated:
**7:14**
